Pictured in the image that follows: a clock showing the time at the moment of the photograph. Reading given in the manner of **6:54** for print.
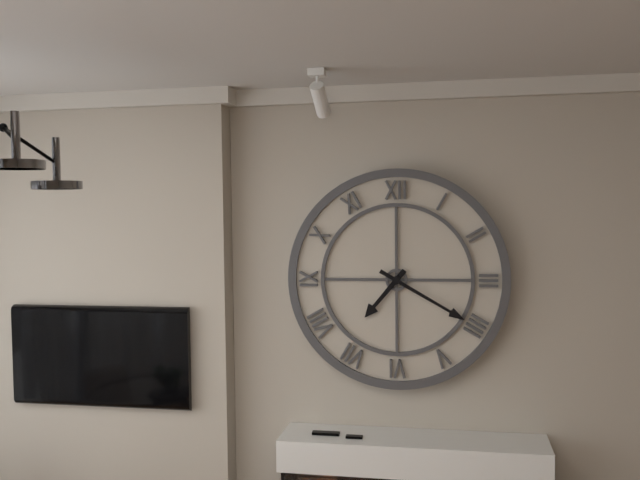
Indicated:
**7:20**
